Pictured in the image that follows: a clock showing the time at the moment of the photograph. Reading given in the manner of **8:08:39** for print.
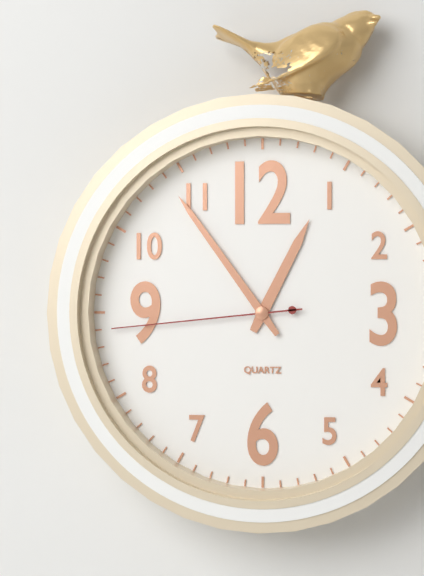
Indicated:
**12:54:44**
